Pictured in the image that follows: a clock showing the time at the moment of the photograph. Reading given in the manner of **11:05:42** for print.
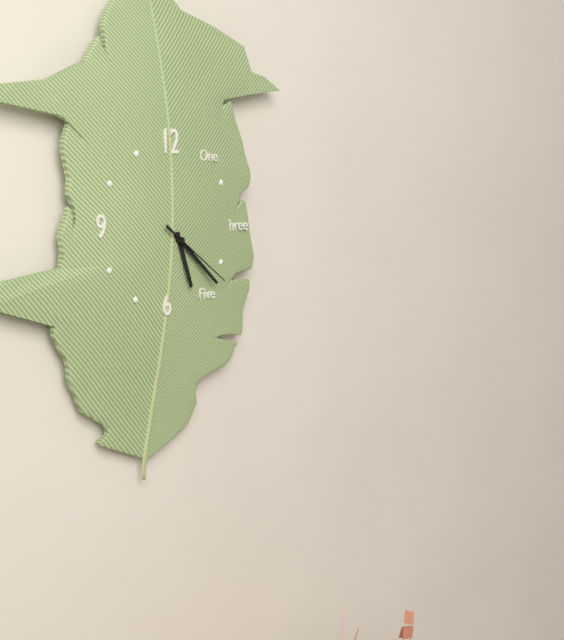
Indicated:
**5:22:21**
